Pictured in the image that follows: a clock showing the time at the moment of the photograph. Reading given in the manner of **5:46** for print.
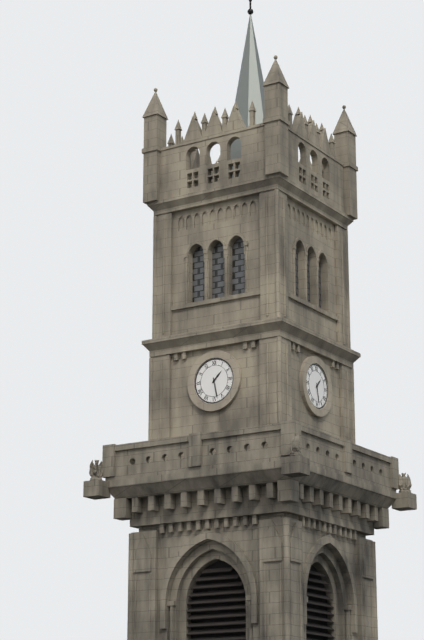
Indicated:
**1:28**
